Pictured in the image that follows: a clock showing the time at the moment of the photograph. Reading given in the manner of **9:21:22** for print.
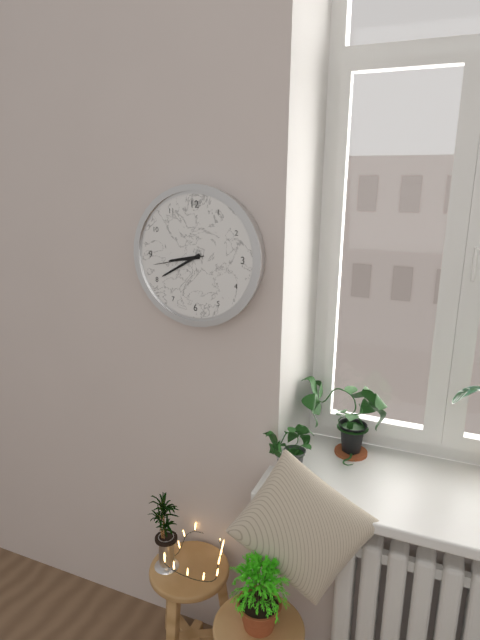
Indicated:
**8:40:43**
